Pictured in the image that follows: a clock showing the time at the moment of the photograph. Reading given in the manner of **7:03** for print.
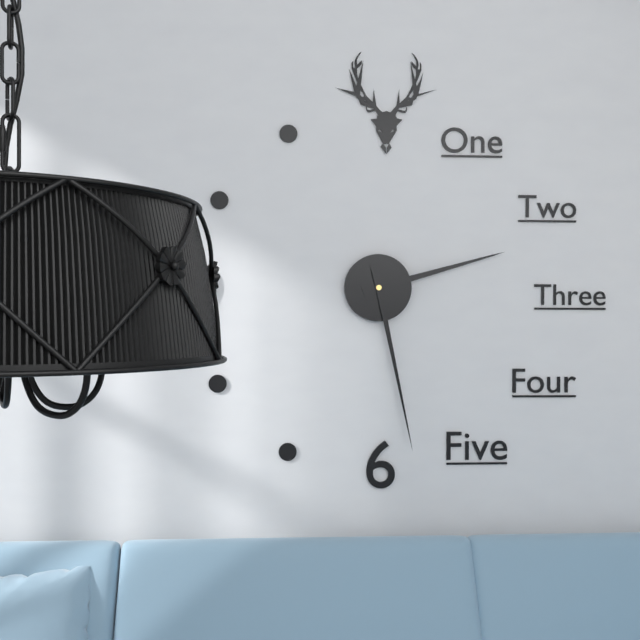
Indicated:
**2:28**
